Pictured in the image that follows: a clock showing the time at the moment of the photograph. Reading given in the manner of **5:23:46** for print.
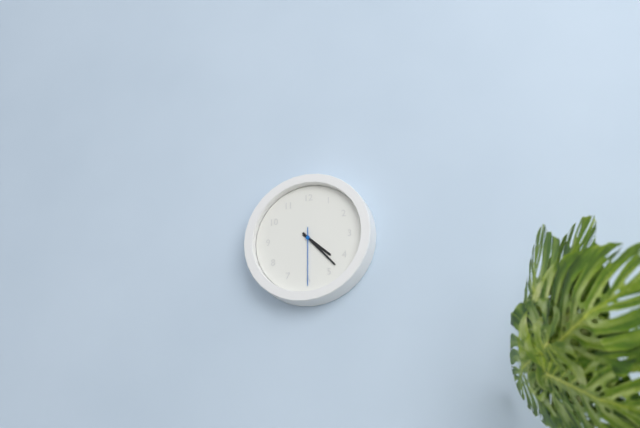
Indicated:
**4:23:30**
